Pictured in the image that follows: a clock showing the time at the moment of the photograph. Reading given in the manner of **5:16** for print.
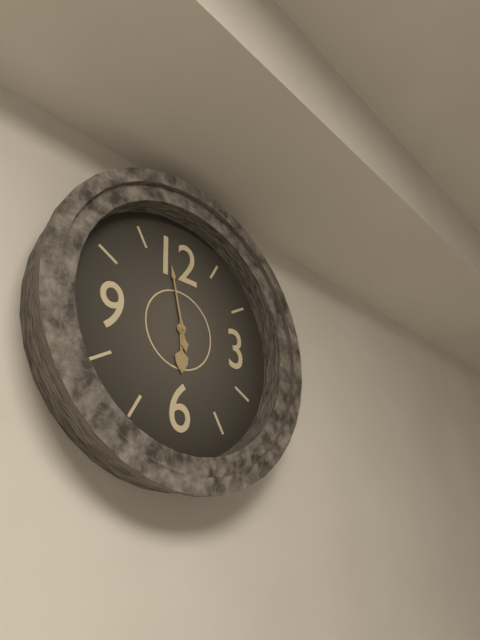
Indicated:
**5:58**
